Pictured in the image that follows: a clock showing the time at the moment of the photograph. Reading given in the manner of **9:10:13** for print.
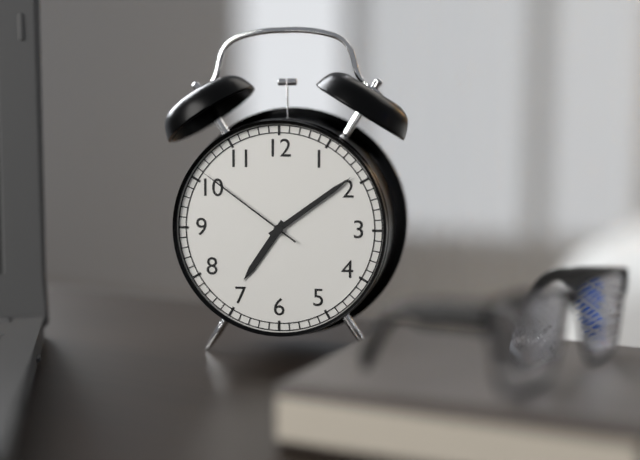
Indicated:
**7:09:51**
